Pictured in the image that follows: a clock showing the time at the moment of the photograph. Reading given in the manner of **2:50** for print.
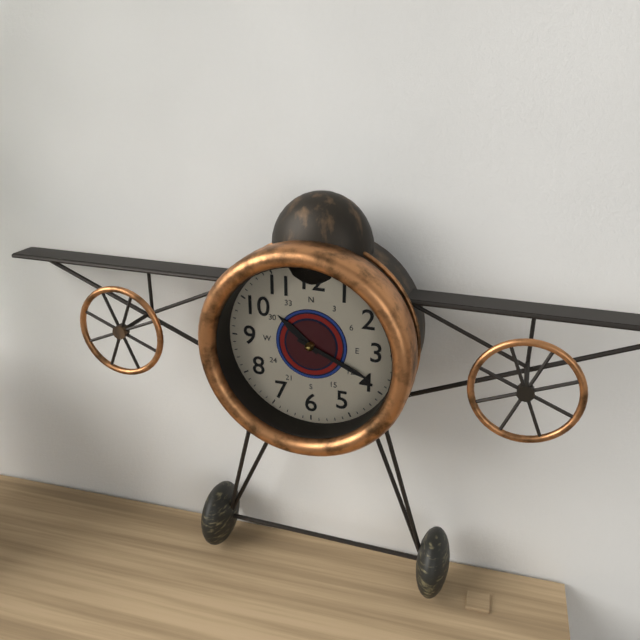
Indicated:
**10:19**
